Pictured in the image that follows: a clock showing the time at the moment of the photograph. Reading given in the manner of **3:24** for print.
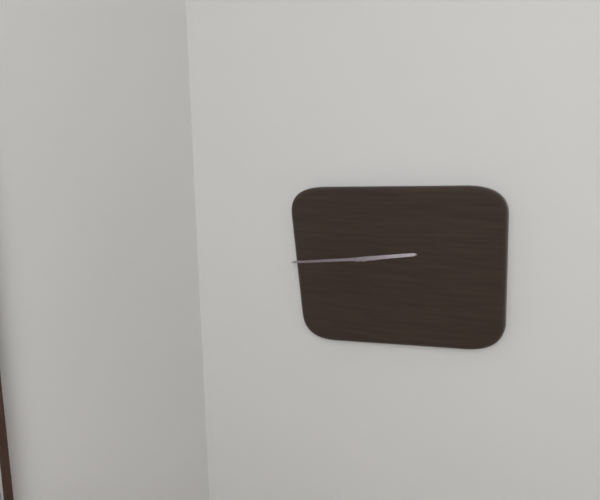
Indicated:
**2:44**
